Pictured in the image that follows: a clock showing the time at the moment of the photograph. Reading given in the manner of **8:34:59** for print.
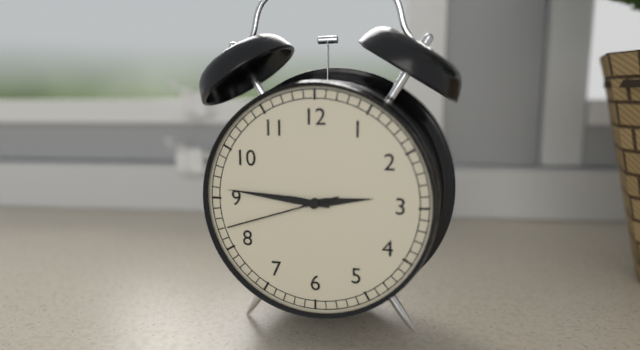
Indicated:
**2:46:42**
